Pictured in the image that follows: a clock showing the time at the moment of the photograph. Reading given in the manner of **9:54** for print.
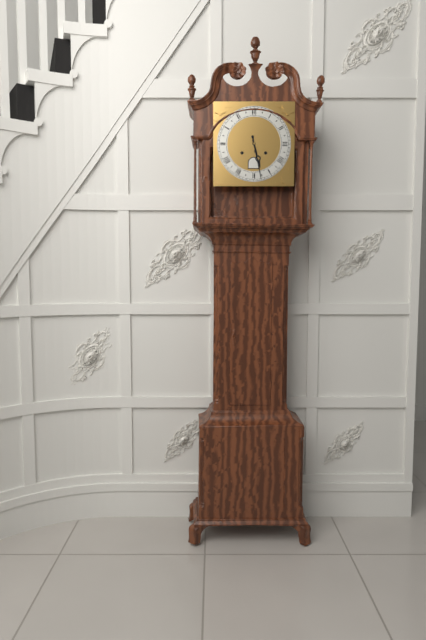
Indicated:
**5:28**
